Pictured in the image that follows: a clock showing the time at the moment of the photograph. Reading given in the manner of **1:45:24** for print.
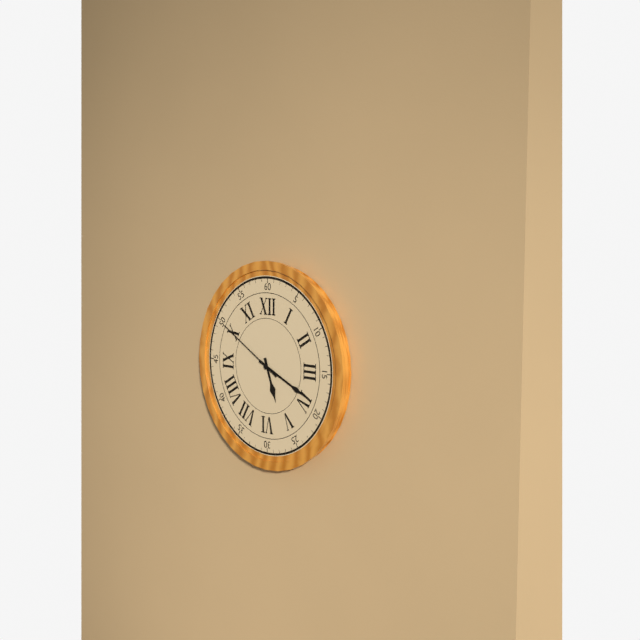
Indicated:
**5:19:50**
